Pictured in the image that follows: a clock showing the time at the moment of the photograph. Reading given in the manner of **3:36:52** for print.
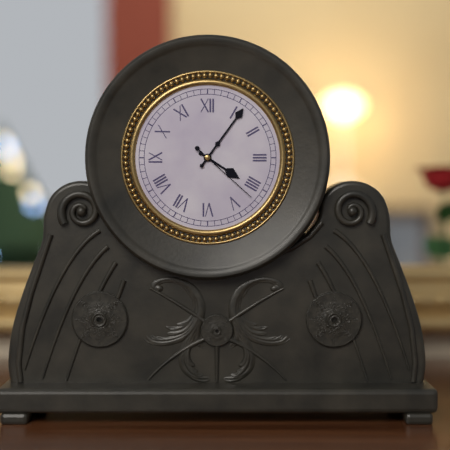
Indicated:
**4:06:22**
